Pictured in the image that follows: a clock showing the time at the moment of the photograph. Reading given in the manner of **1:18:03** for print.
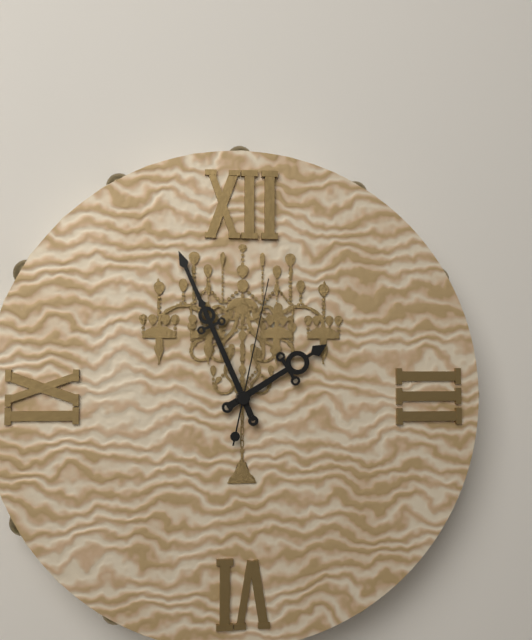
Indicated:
**1:56:02**
